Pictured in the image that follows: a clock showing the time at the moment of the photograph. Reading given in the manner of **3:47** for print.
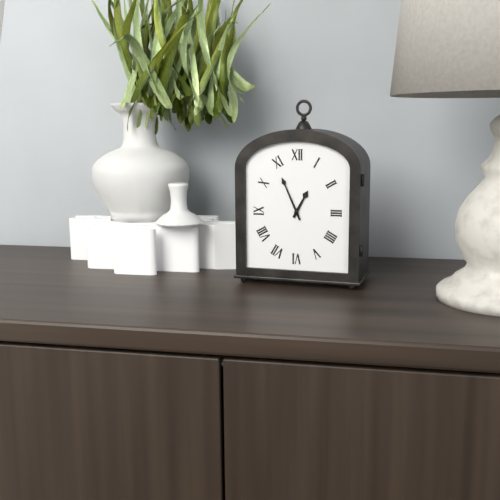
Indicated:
**12:56**
